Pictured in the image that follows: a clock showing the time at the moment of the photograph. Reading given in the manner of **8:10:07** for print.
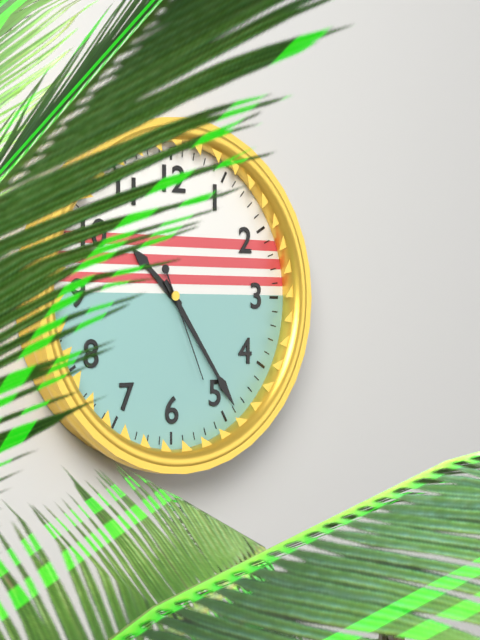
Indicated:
**10:24:26**
